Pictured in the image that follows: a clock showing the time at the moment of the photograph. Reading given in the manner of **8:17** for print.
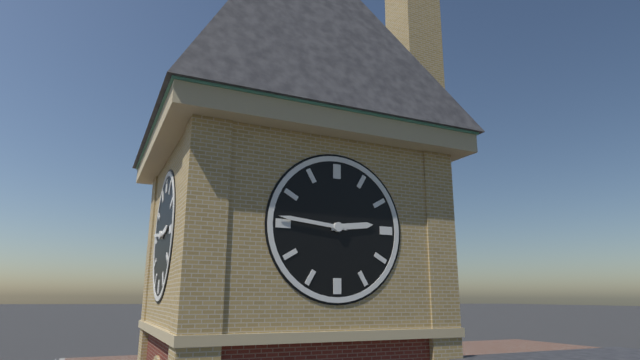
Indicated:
**2:46**
